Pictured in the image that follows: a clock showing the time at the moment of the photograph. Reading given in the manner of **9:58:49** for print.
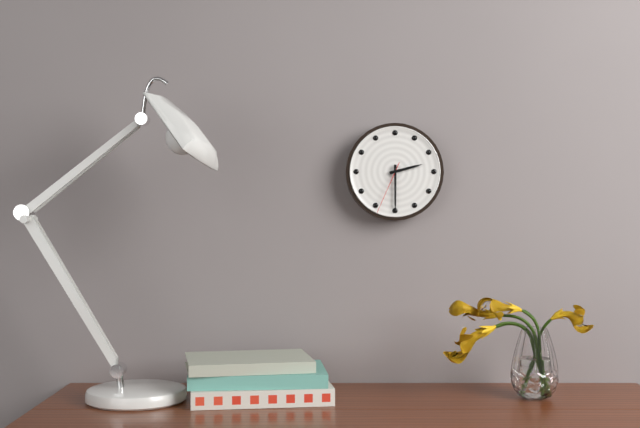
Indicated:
**2:30:34**
